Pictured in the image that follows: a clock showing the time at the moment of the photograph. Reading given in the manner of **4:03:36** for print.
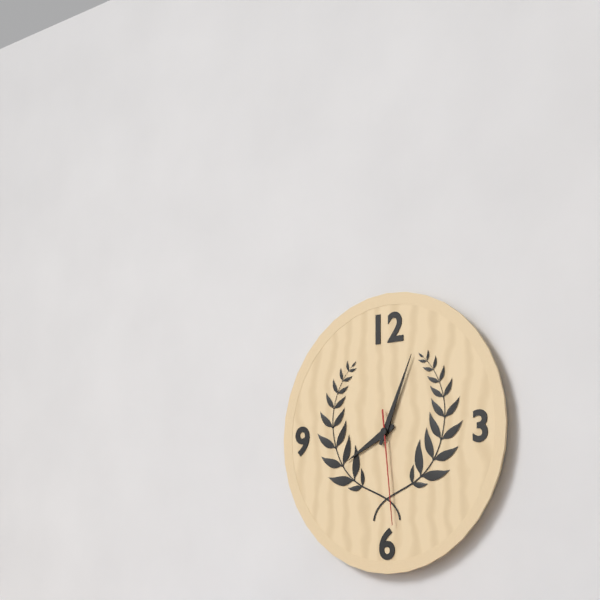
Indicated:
**8:04:29**
